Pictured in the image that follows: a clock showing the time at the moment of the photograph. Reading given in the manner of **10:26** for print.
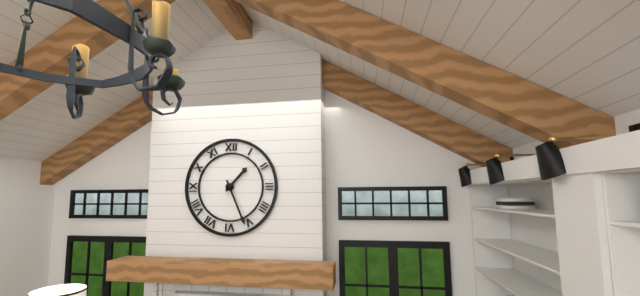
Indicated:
**1:26**
